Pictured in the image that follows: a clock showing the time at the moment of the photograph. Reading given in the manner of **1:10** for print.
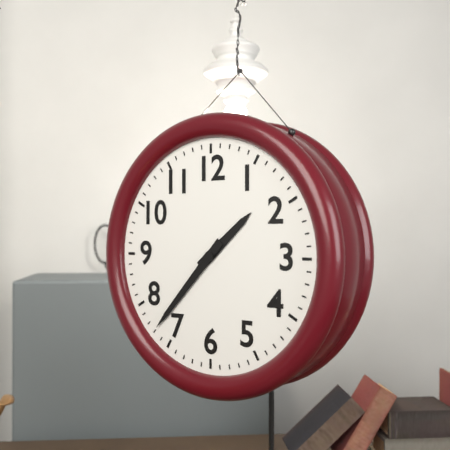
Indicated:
**1:37**
